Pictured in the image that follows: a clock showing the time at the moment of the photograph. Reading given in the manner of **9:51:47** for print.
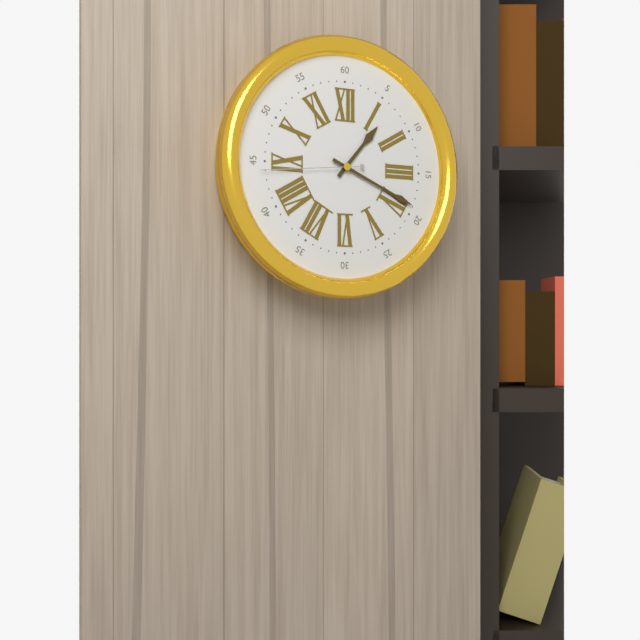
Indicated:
**1:19:44**
